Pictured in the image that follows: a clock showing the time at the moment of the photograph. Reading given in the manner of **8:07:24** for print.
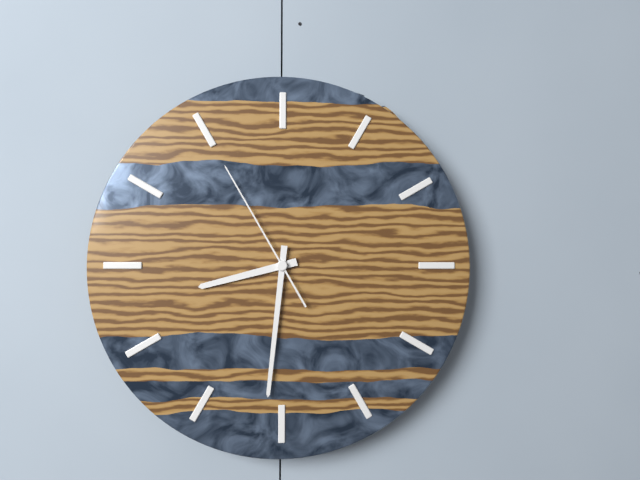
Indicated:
**8:31:55**
